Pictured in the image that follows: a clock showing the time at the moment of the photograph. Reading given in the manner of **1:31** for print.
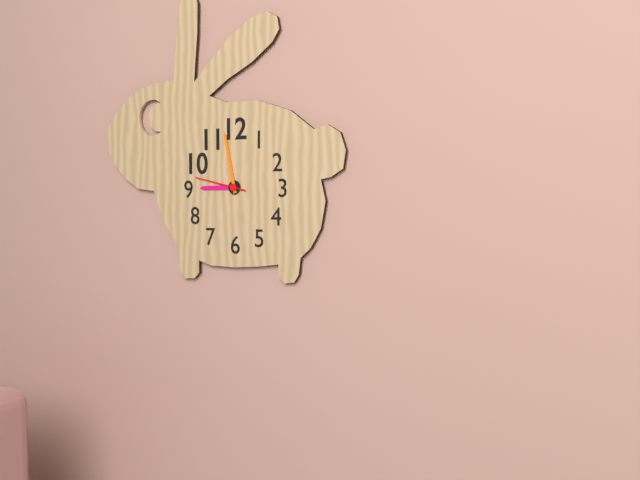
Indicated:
**8:58**
